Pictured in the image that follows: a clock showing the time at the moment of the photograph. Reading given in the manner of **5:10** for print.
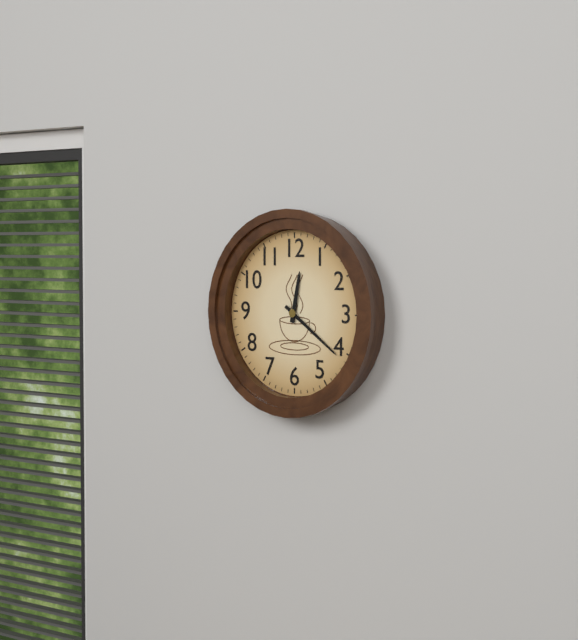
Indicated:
**12:21**
